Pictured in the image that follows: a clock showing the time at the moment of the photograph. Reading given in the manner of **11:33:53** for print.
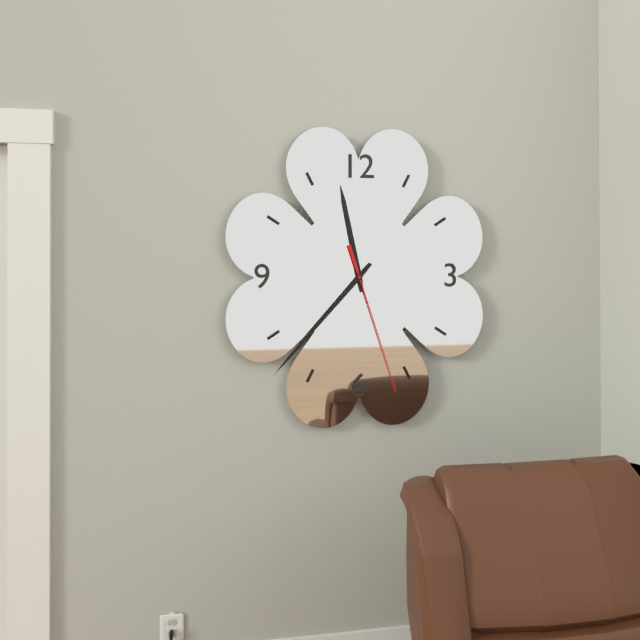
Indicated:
**11:37:27**
